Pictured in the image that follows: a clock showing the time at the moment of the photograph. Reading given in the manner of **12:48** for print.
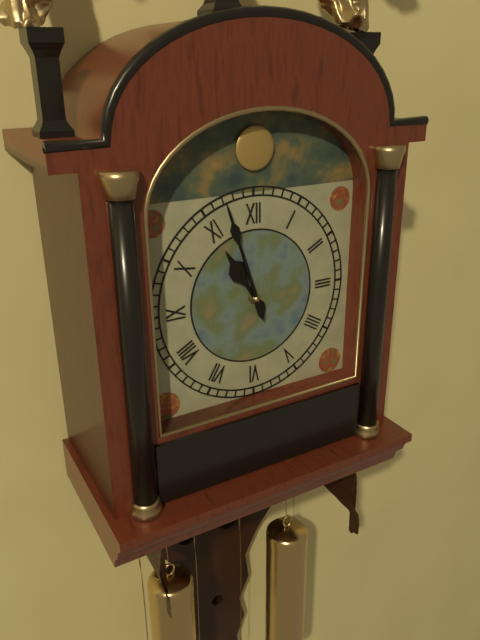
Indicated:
**10:57**
